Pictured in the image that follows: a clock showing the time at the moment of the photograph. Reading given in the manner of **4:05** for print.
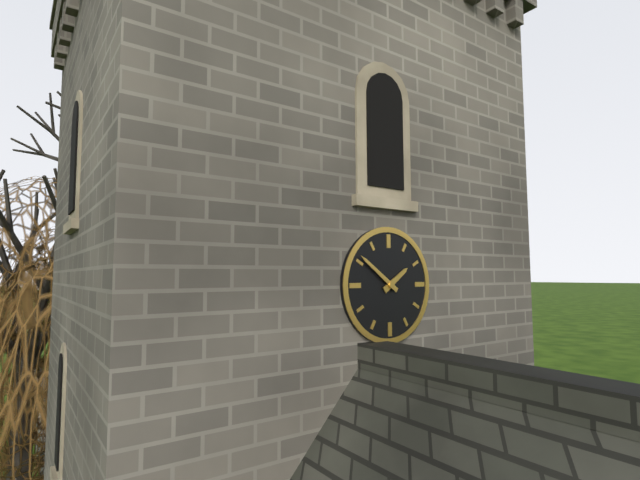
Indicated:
**1:51**
